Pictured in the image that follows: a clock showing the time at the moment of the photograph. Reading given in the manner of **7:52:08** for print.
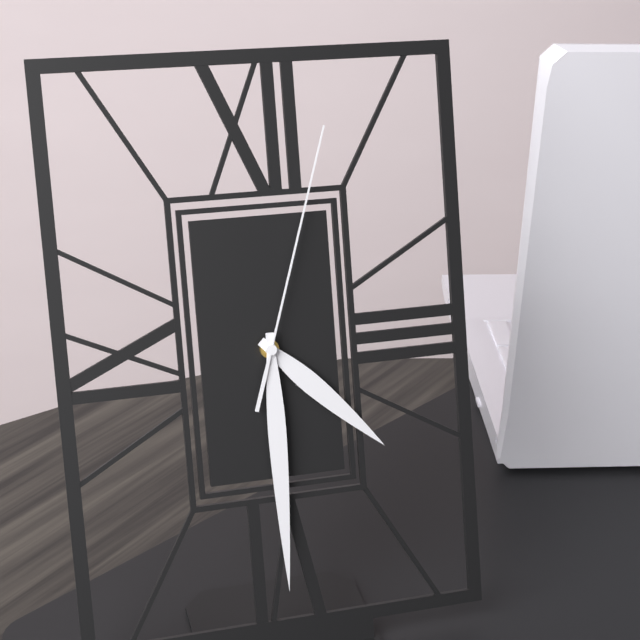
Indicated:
**4:30:03**
